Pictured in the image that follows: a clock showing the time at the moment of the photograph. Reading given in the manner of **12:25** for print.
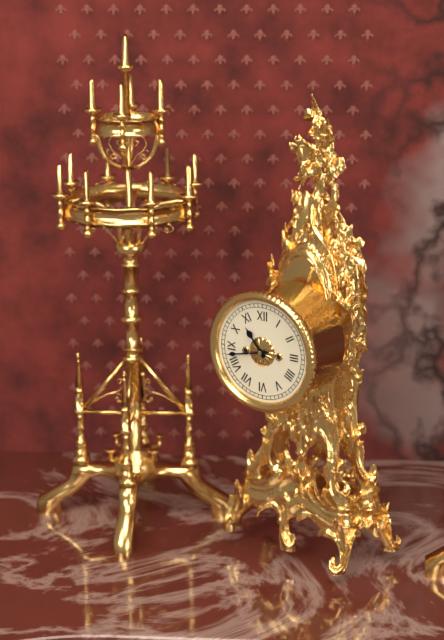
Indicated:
**10:43**
